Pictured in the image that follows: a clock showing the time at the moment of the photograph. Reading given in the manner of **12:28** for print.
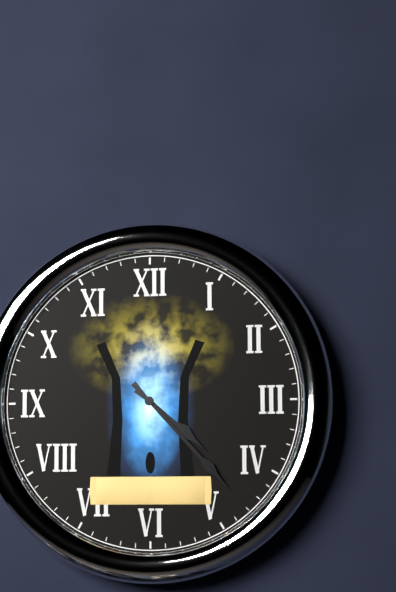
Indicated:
**4:23**
